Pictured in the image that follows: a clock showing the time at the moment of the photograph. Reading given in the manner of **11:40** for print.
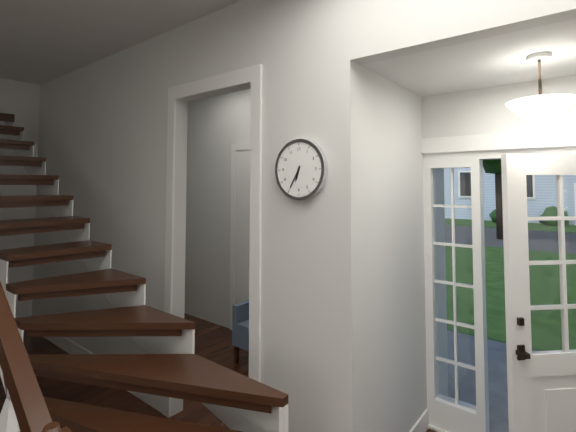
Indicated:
**6:35**
